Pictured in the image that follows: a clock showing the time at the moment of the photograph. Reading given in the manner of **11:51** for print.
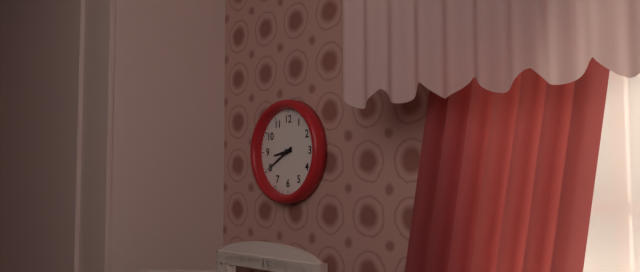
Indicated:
**8:40**
